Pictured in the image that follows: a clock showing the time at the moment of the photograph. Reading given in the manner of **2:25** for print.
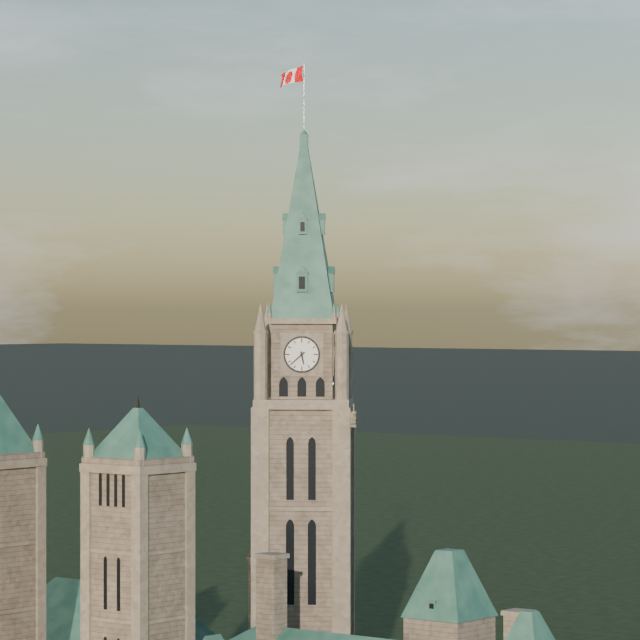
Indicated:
**5:38**
